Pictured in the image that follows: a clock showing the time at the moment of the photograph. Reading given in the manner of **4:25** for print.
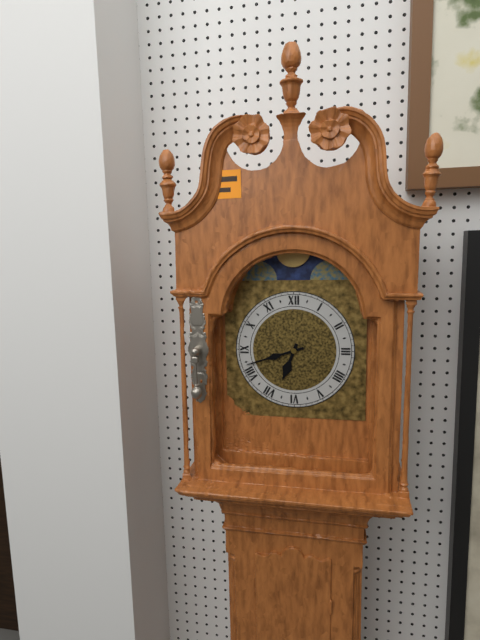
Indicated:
**6:42**
